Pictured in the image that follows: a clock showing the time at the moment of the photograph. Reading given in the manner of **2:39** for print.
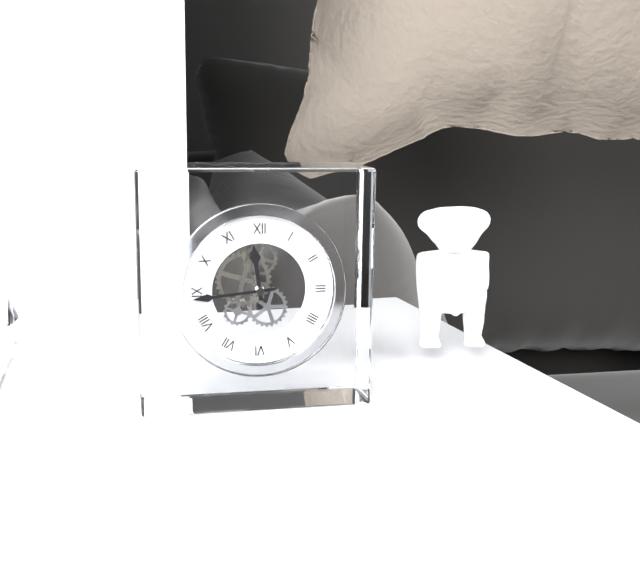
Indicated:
**11:44**
